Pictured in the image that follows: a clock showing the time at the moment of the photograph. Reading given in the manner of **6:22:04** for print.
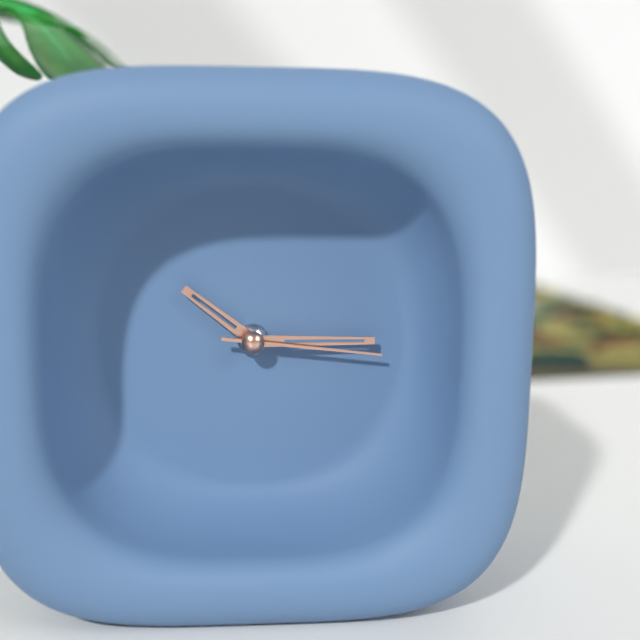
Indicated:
**10:15:16**
